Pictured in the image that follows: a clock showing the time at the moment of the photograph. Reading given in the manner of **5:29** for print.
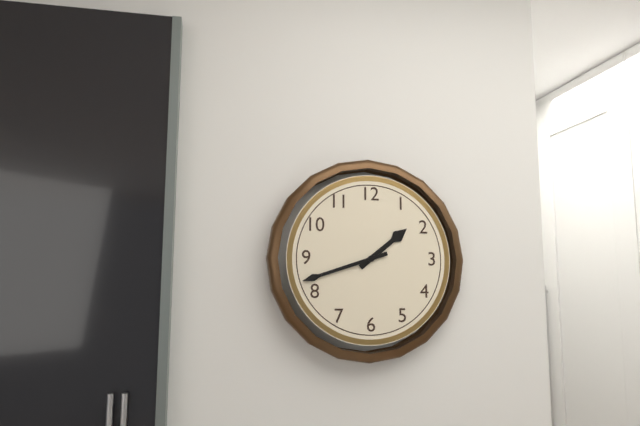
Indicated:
**1:42**
